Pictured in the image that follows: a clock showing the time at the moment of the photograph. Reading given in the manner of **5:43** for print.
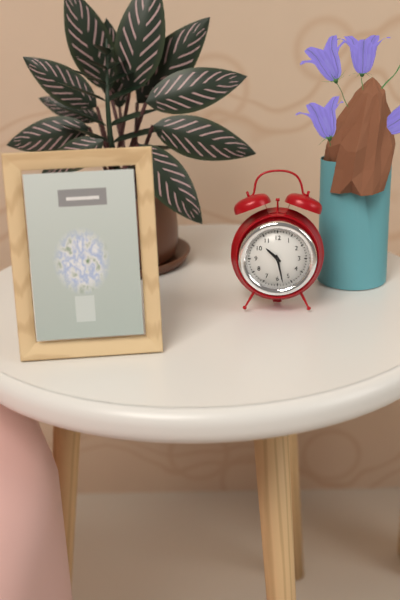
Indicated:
**10:28**
